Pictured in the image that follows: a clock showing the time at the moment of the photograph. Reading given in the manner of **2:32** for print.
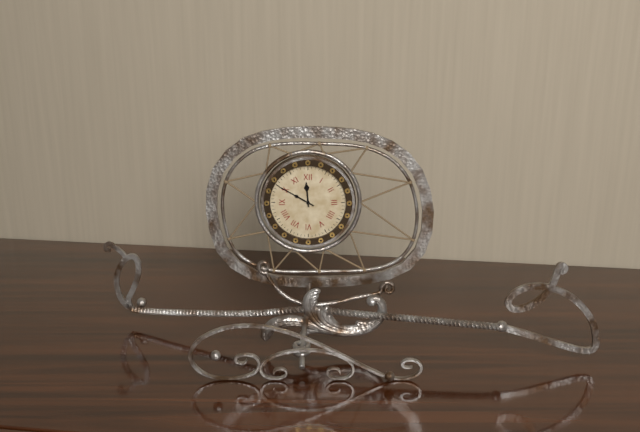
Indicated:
**11:50**
